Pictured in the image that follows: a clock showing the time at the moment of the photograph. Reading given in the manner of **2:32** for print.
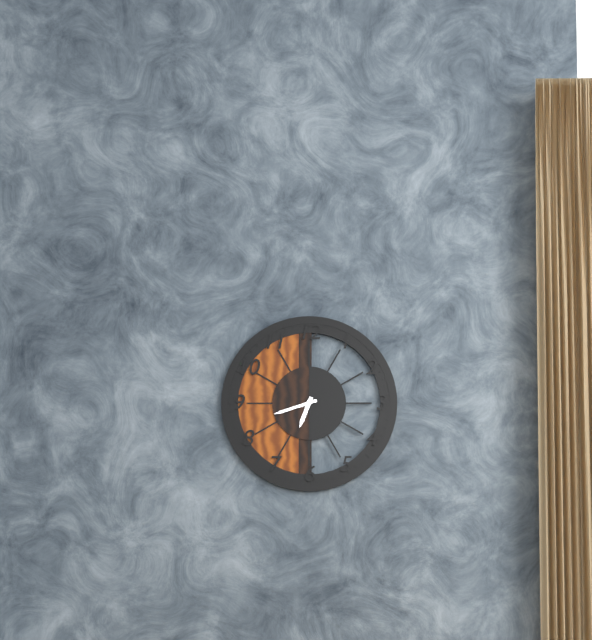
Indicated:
**6:42**
